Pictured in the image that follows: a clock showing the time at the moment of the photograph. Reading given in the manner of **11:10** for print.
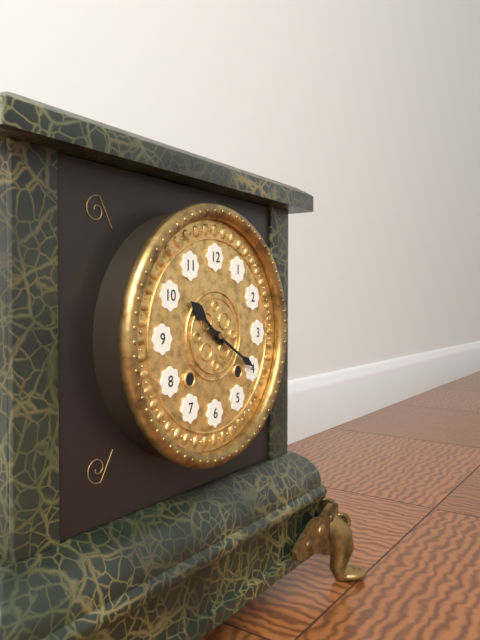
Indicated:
**10:20**
